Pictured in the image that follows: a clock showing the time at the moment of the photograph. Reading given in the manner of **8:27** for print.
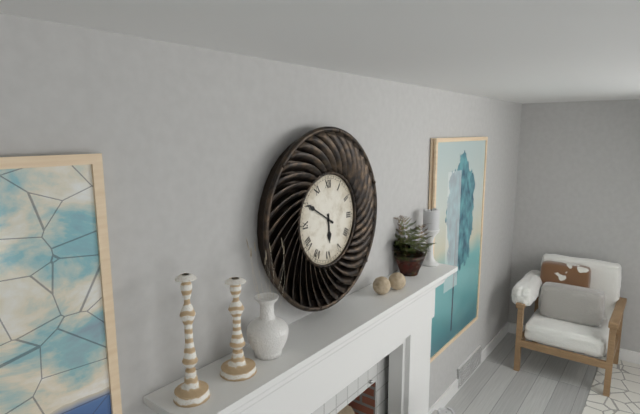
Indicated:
**5:50**
